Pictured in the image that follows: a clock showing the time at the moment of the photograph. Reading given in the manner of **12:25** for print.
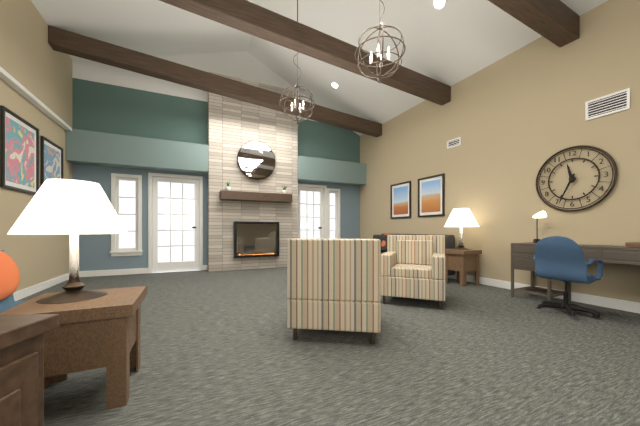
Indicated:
**11:34**
